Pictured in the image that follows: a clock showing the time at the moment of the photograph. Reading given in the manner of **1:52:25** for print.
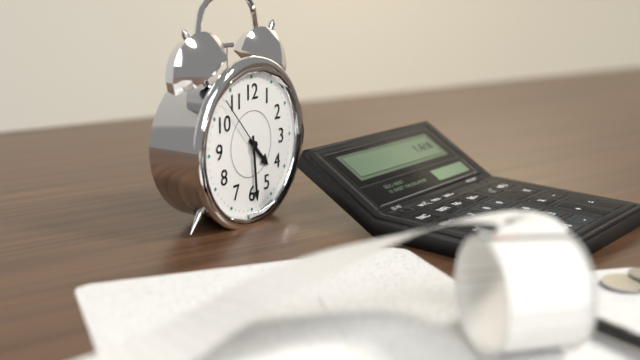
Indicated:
**4:29:53**
